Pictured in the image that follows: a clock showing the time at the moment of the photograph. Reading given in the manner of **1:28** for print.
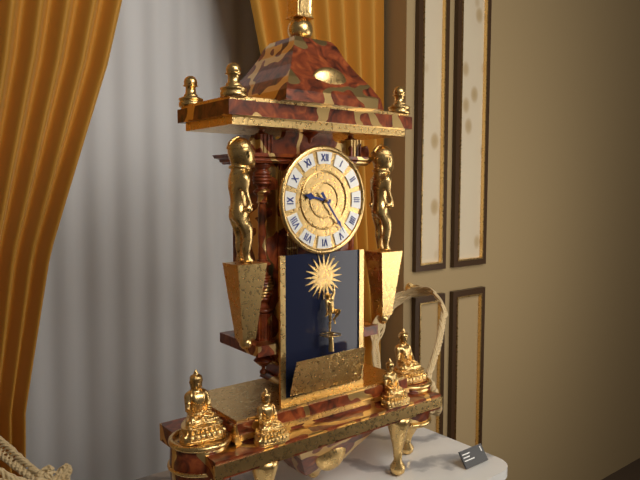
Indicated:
**9:24**
